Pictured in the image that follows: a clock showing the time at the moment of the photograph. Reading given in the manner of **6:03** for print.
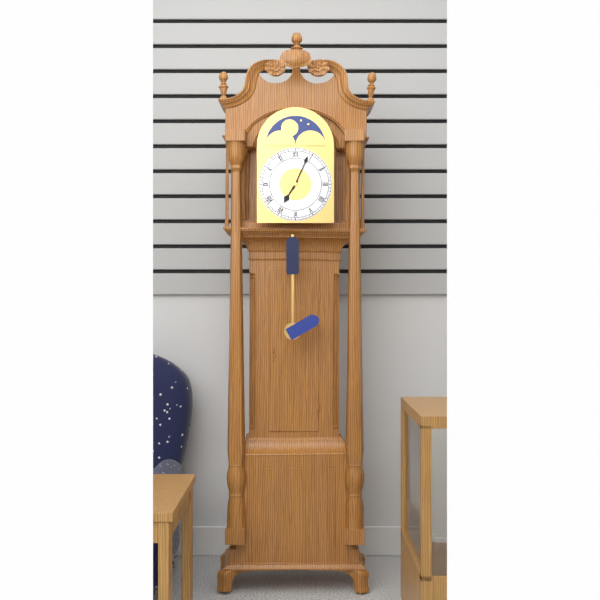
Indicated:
**7:04**
